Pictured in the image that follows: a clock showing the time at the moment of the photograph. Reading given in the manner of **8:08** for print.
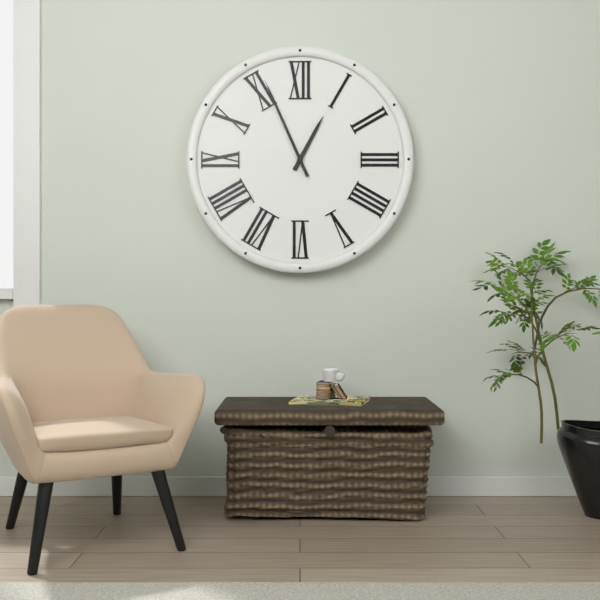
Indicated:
**12:56**
